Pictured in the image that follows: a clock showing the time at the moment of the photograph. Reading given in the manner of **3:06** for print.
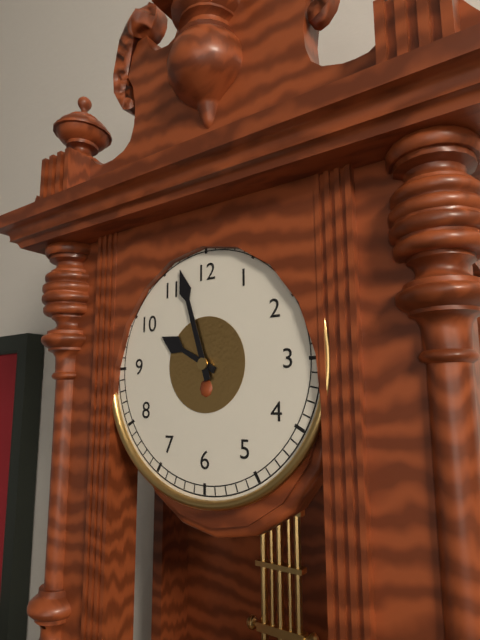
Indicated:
**9:57**
